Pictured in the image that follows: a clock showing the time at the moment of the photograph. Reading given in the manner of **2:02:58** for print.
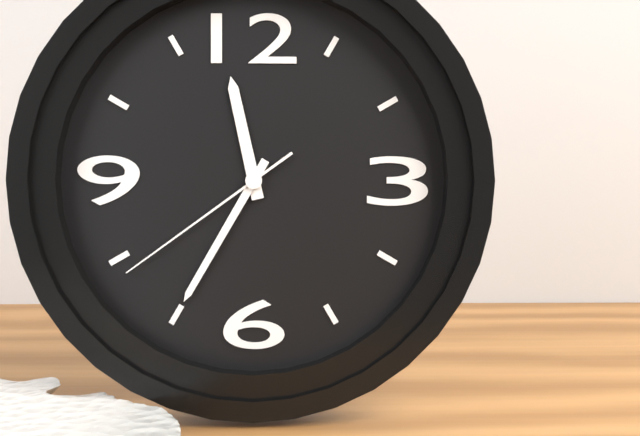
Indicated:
**11:35:39**
